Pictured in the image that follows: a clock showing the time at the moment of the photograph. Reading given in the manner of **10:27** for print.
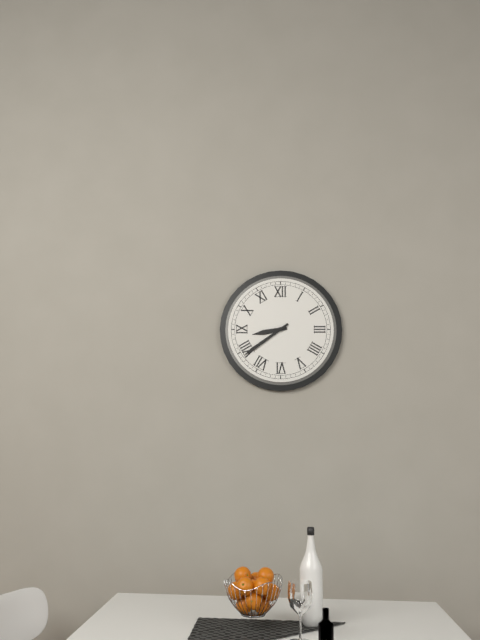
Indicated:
**8:39**
